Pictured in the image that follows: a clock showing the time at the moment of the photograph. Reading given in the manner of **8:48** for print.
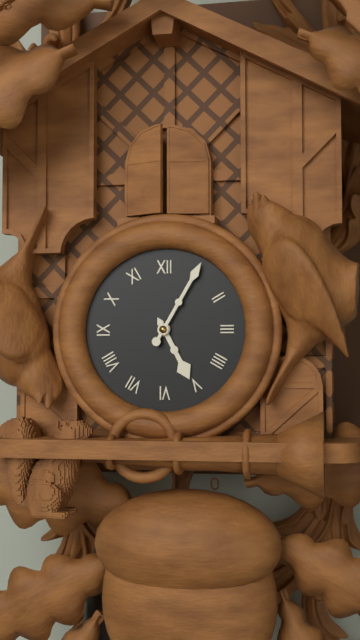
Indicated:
**5:05**
